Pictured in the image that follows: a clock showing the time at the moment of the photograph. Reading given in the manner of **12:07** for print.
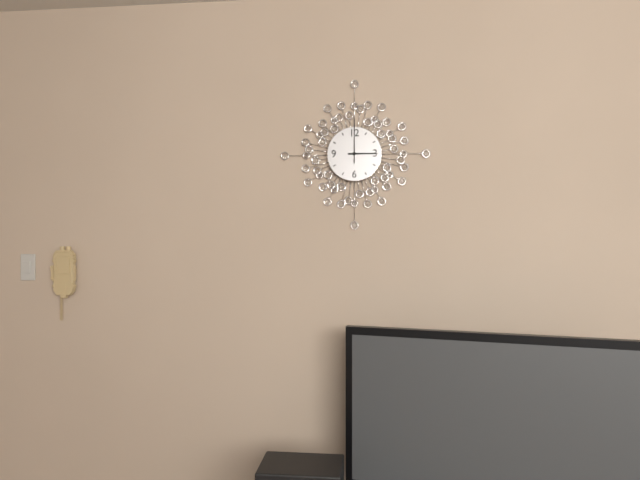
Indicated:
**3:00**
